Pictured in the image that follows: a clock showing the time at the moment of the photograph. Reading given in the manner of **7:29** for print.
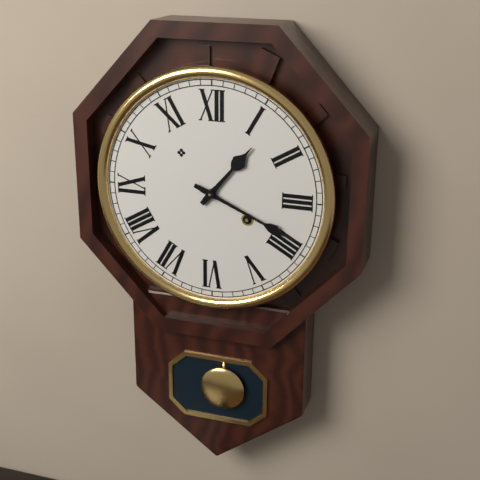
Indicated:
**1:19**
